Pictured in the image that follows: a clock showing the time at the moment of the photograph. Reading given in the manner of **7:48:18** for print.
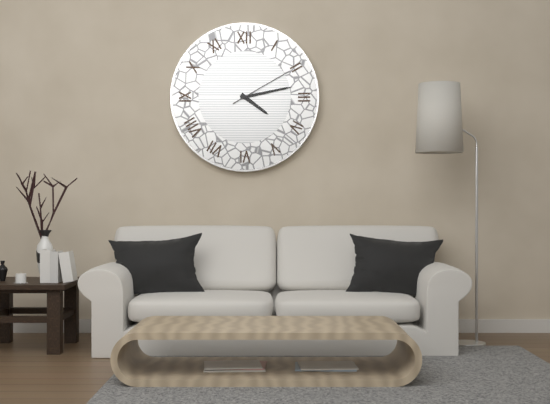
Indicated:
**4:13:10**
